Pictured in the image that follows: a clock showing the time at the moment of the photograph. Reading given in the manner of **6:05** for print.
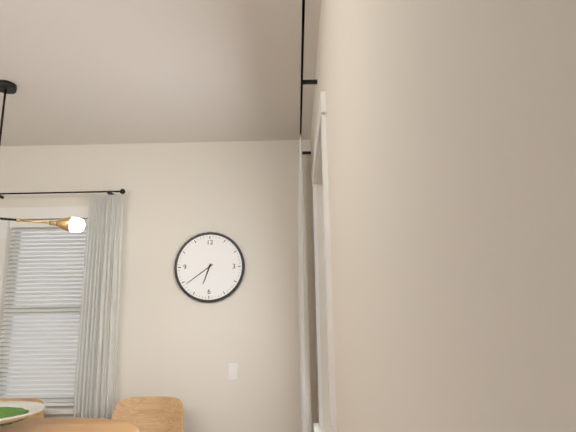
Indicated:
**6:39**
